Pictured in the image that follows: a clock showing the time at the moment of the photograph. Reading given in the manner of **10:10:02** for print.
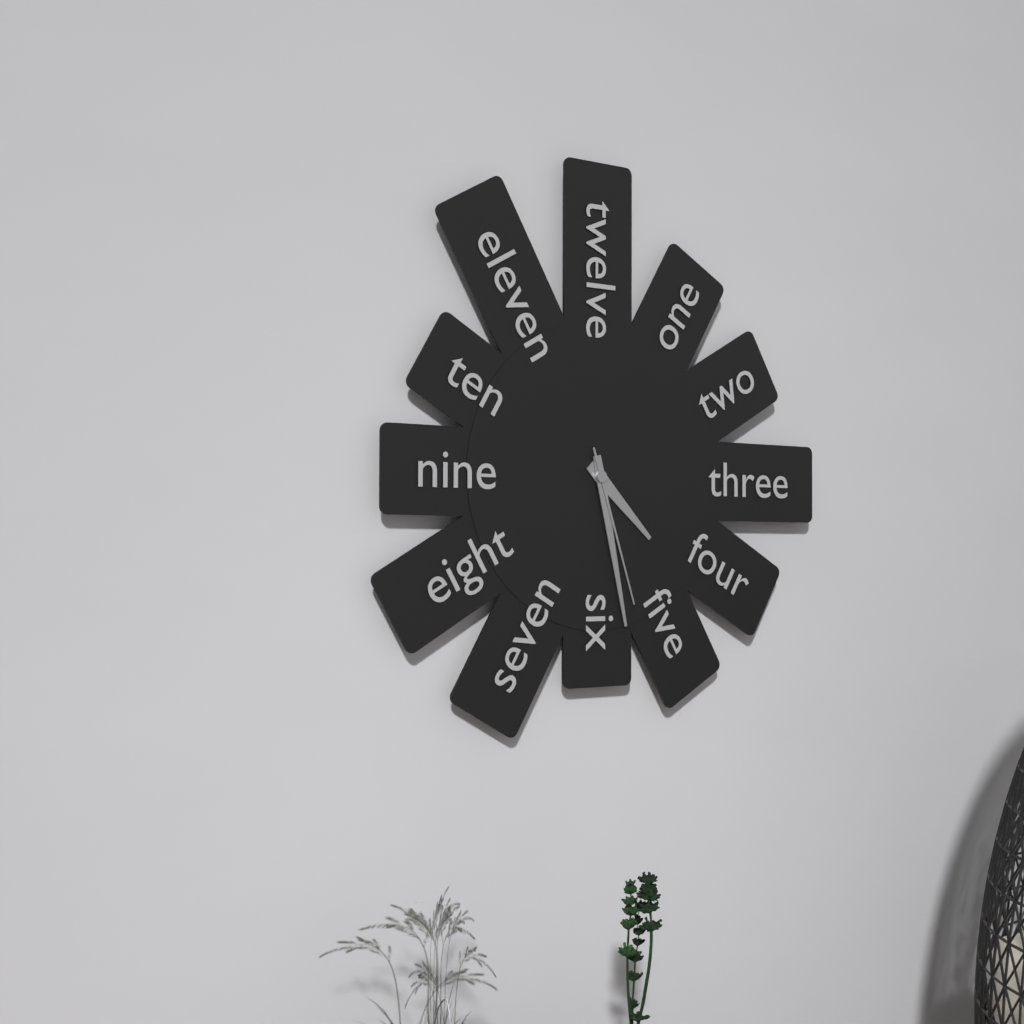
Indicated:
**4:28:27**
